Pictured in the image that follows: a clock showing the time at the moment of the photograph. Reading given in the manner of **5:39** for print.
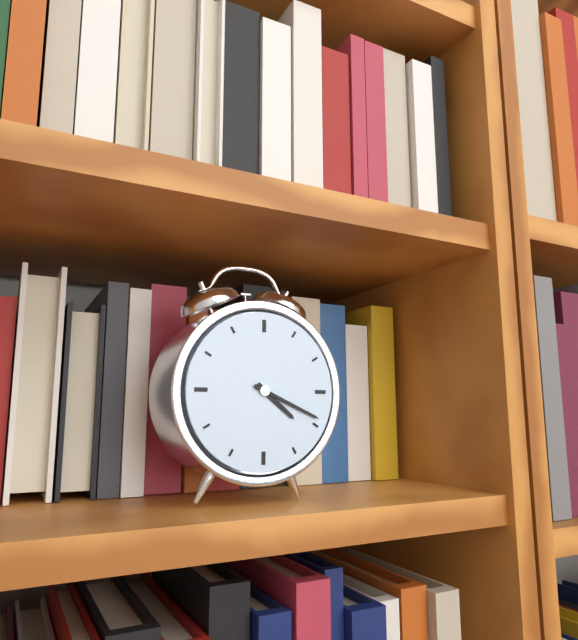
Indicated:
**4:19**
